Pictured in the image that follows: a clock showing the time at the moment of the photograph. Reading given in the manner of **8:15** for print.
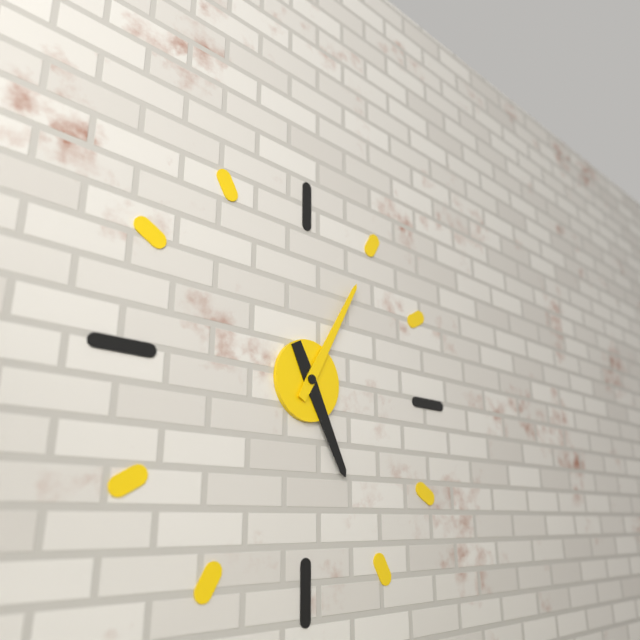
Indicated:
**5:05**
